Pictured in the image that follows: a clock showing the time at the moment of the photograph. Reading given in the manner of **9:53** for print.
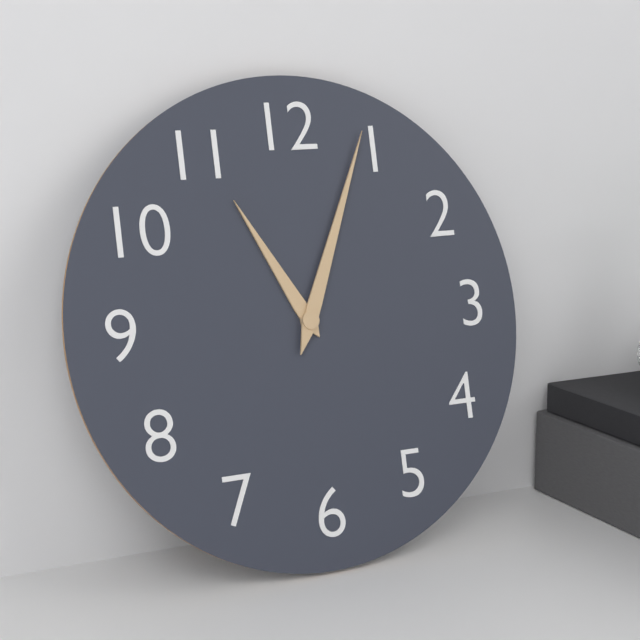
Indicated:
**11:04**
